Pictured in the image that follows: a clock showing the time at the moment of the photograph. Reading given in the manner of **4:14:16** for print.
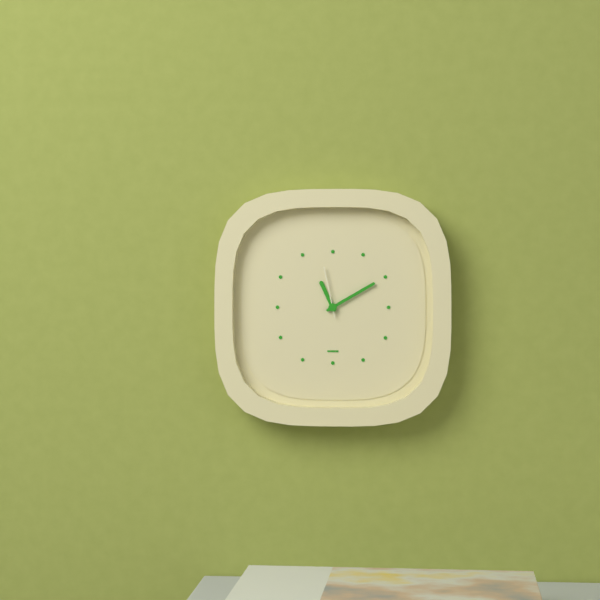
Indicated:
**11:10:58**
